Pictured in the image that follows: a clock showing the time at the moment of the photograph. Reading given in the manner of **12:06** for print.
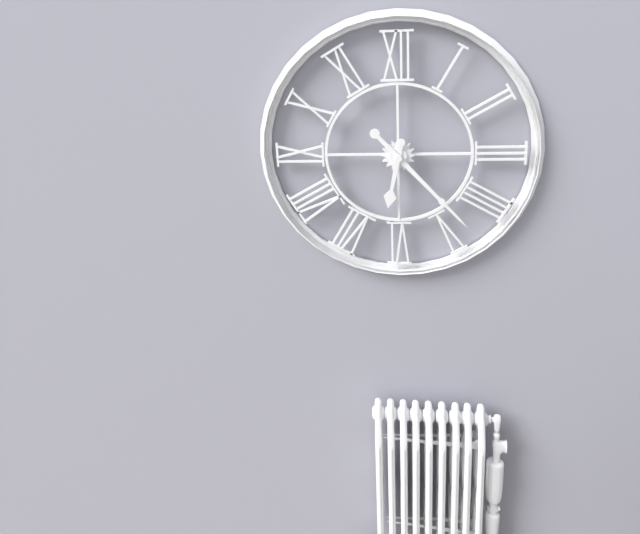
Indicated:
**6:23**
